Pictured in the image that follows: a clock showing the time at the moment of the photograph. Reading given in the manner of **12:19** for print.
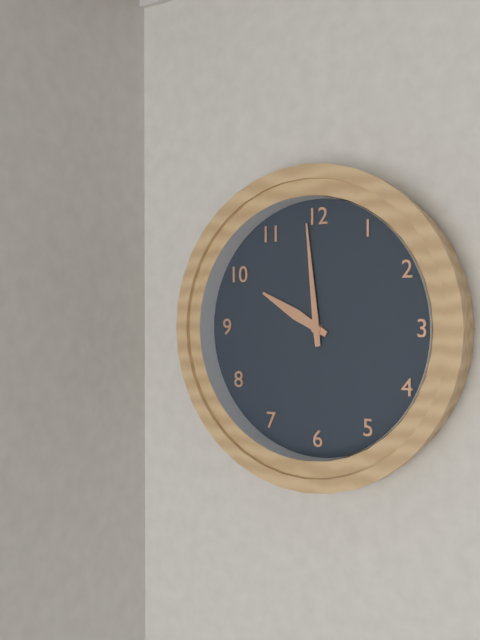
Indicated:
**9:59**
